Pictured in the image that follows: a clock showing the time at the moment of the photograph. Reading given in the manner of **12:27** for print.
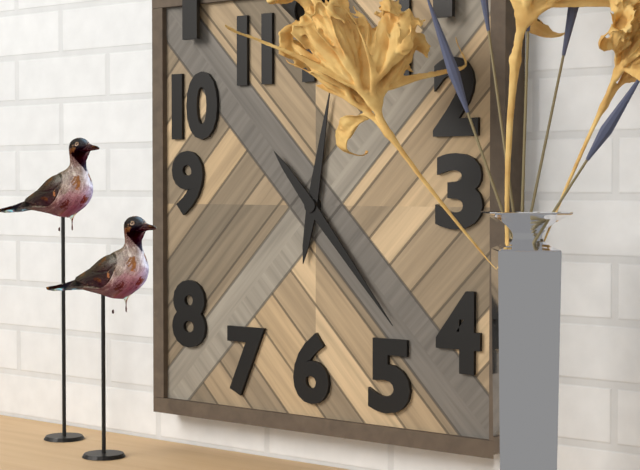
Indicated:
**12:23**
